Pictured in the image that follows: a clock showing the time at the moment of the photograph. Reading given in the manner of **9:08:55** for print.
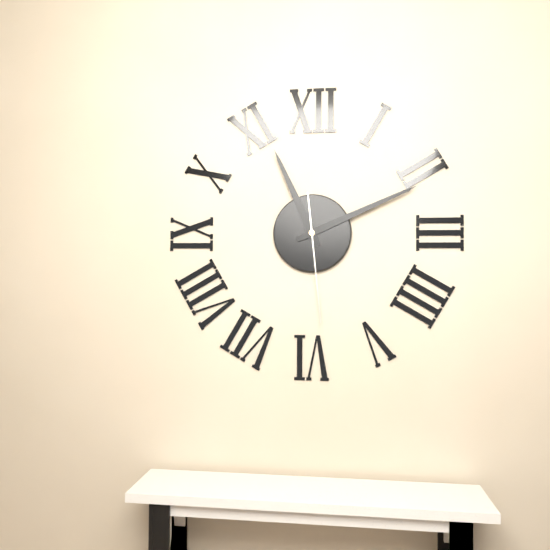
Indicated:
**11:11:29**
